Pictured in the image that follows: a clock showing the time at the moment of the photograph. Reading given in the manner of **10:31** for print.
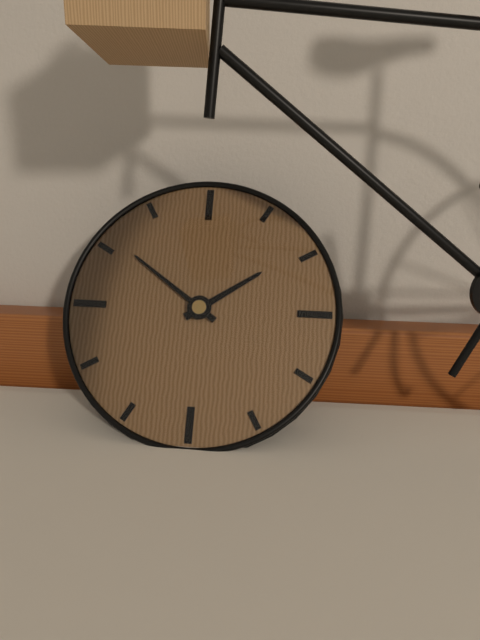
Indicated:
**1:51**
